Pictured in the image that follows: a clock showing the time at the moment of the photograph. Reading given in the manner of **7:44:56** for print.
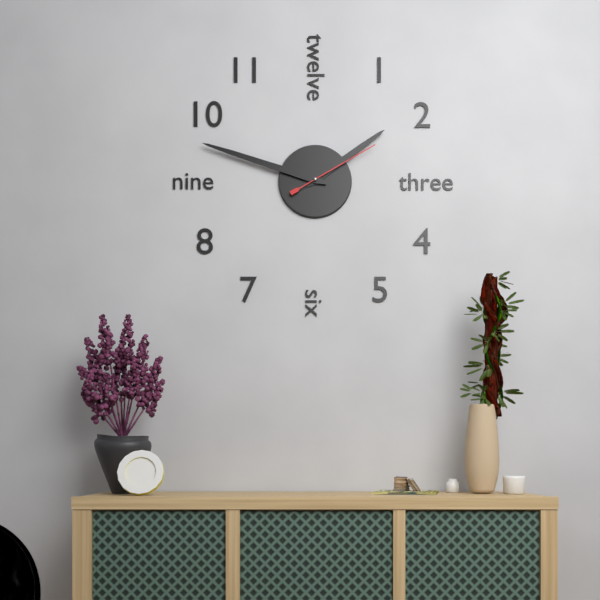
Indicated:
**1:48:10**
